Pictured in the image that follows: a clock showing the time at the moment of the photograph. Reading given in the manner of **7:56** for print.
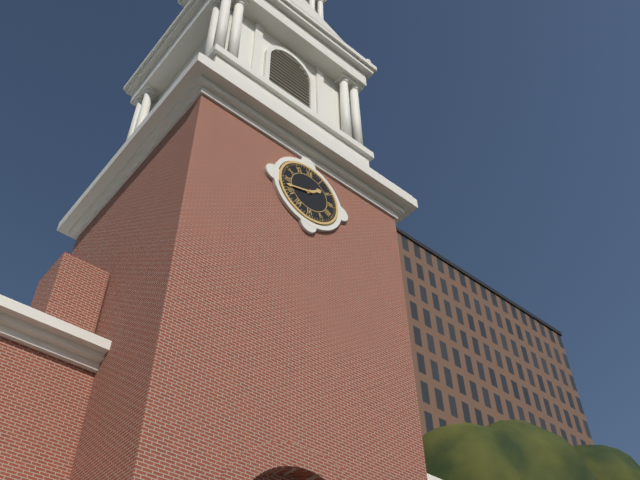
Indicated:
**1:42**
